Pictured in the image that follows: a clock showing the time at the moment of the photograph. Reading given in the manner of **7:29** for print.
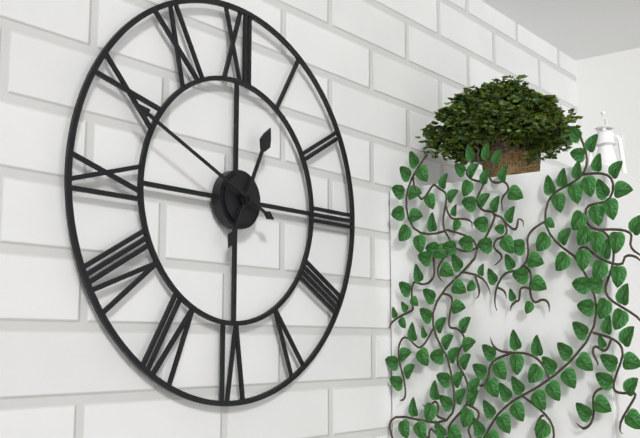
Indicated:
**12:49**
